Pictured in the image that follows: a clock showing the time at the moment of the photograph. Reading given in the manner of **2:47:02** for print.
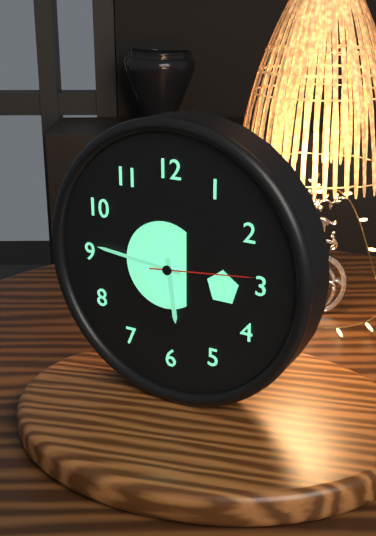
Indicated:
**5:46:14**
